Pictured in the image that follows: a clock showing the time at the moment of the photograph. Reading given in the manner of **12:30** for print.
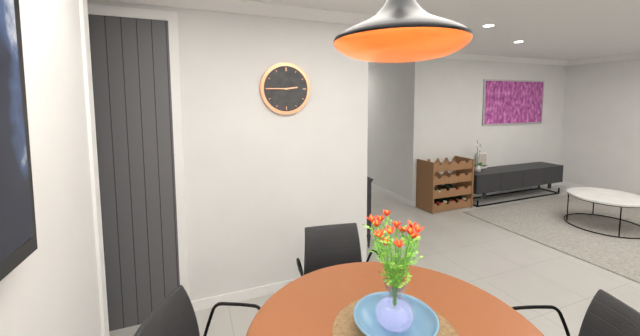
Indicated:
**2:45**
